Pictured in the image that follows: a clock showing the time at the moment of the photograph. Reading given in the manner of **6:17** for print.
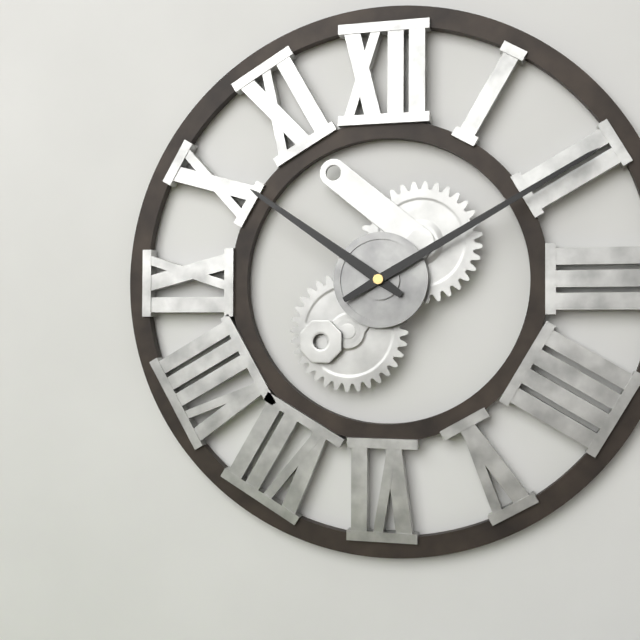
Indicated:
**10:10**
